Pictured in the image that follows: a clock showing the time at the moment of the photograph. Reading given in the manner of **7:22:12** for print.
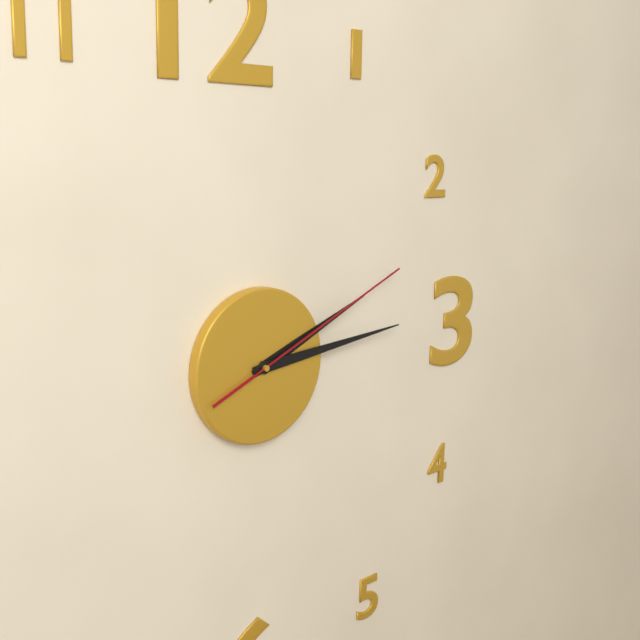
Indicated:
**2:14:11**
